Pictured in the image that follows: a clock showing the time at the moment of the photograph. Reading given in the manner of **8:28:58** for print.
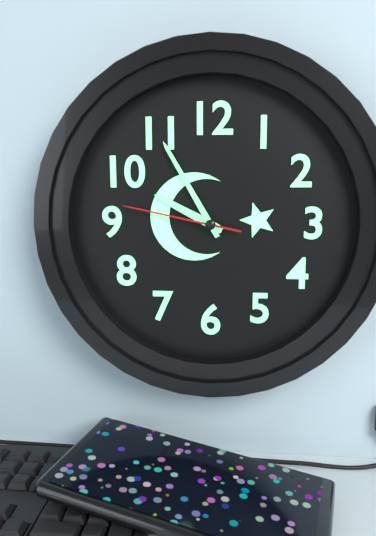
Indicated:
**9:55:47**
